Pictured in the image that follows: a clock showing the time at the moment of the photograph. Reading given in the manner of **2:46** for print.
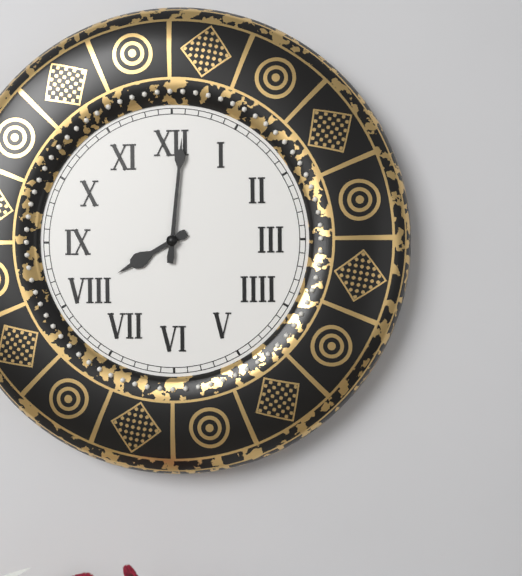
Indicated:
**8:01**
